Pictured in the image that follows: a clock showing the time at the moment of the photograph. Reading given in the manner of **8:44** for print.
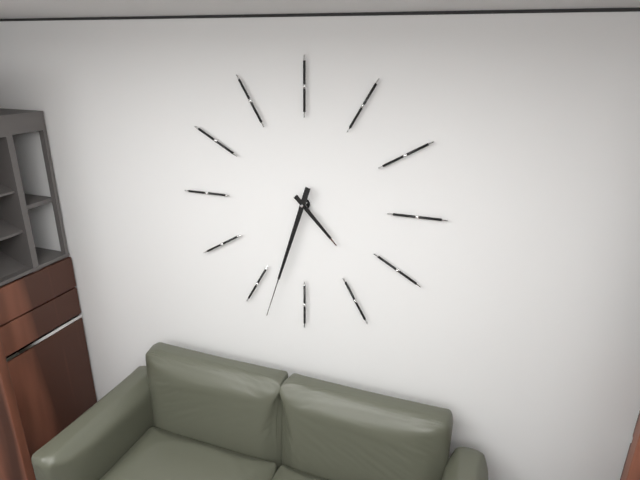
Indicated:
**4:33**
